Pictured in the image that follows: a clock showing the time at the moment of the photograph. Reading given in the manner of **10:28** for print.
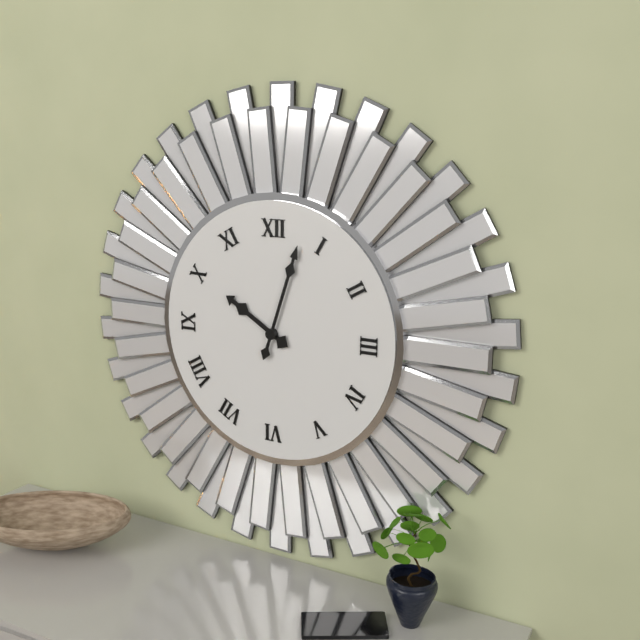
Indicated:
**10:03**
